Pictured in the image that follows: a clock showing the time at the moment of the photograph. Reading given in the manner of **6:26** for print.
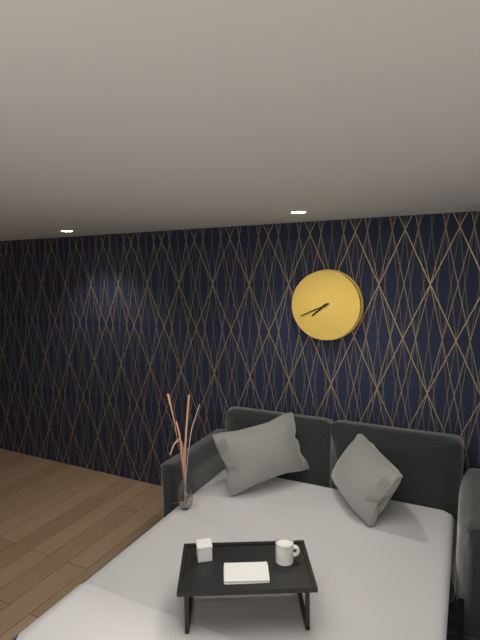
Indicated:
**7:41**
